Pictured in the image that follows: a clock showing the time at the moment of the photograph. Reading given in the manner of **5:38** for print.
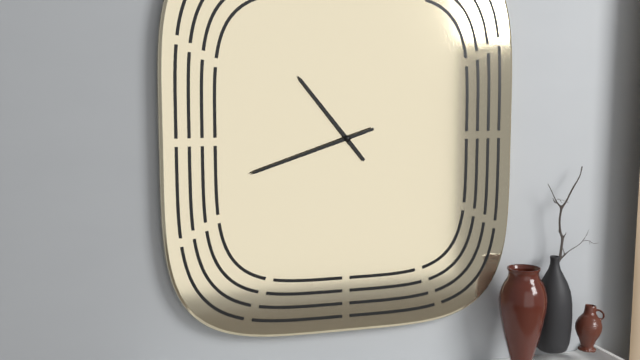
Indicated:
**10:42**
